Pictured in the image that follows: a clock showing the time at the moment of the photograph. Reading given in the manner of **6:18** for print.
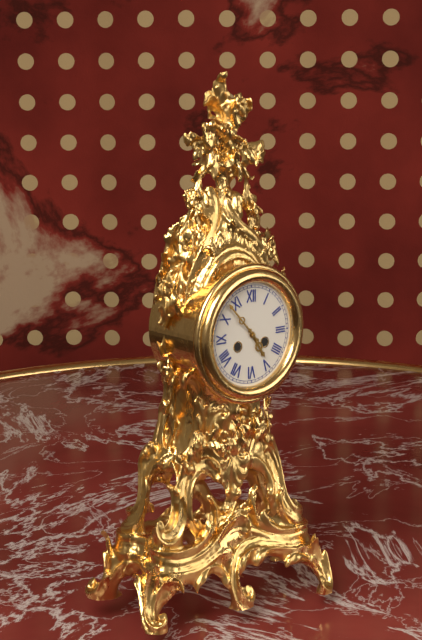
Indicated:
**4:53**
